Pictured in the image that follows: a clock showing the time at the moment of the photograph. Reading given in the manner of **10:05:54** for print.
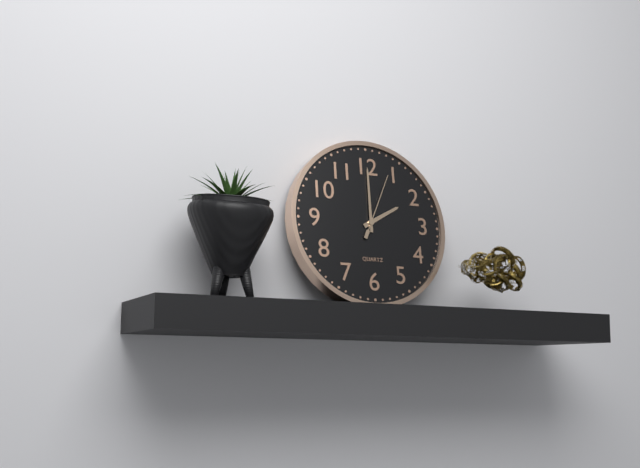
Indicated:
**2:00:04**
